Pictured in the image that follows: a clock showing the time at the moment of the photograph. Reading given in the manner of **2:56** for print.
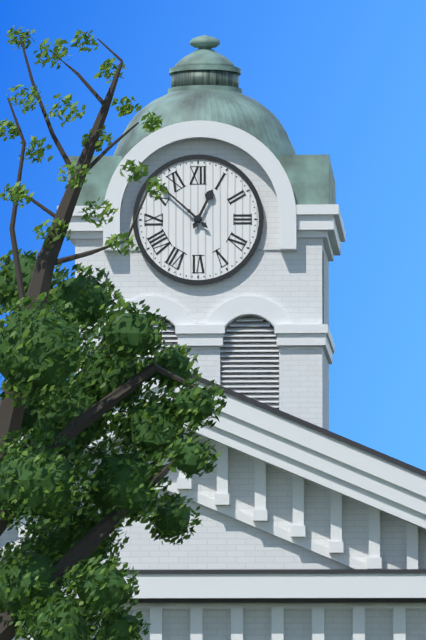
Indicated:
**12:52**
